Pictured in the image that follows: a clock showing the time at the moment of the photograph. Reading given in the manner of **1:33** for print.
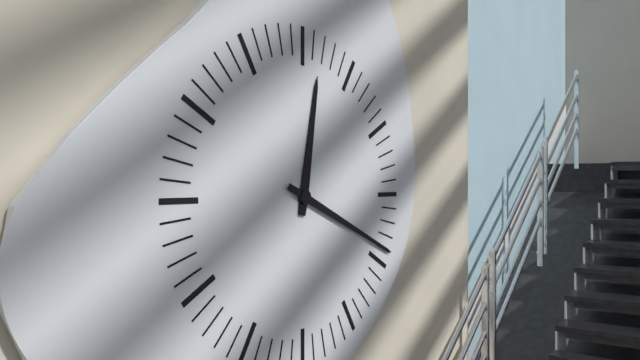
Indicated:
**12:19**
